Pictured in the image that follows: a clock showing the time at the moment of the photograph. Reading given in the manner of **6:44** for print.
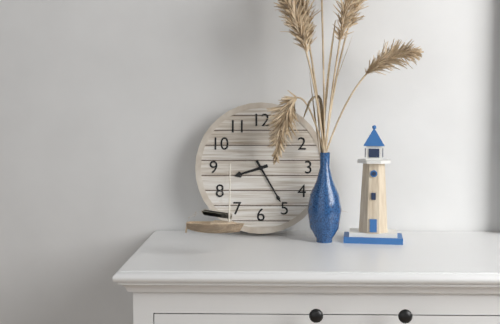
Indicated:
**8:25**
